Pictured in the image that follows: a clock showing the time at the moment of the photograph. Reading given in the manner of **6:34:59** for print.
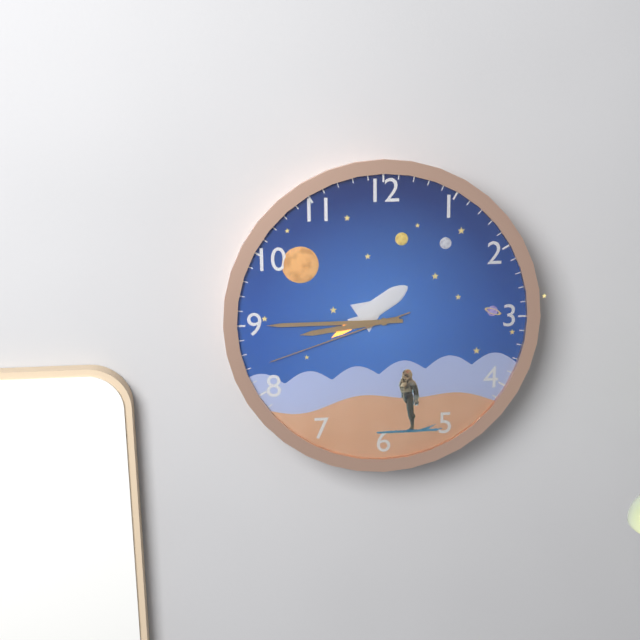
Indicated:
**8:45:42**
